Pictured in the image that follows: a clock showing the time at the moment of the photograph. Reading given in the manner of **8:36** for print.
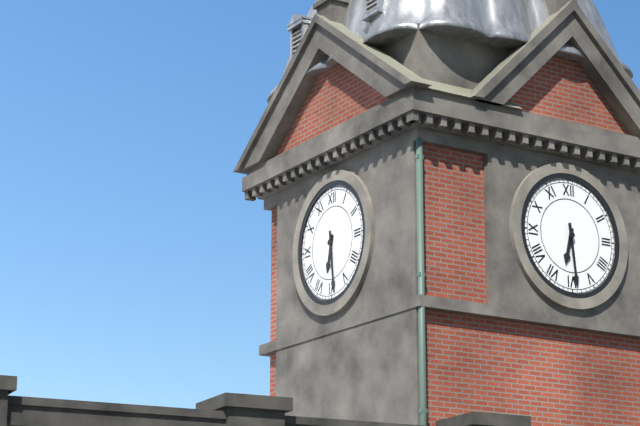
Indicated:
**6:29**
